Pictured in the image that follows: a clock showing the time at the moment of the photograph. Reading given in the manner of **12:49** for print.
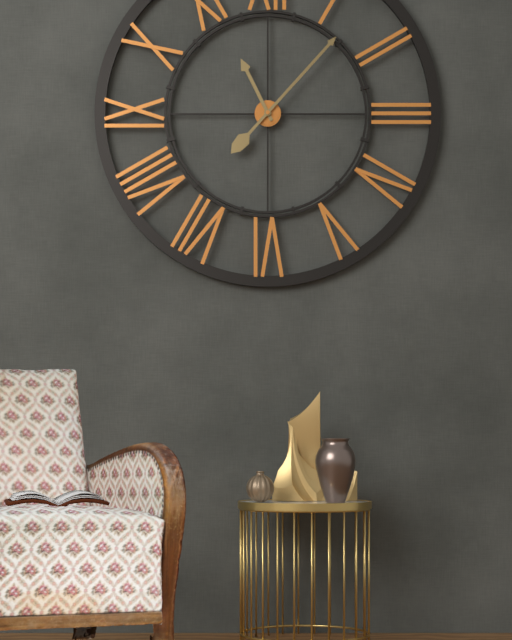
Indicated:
**11:07**
